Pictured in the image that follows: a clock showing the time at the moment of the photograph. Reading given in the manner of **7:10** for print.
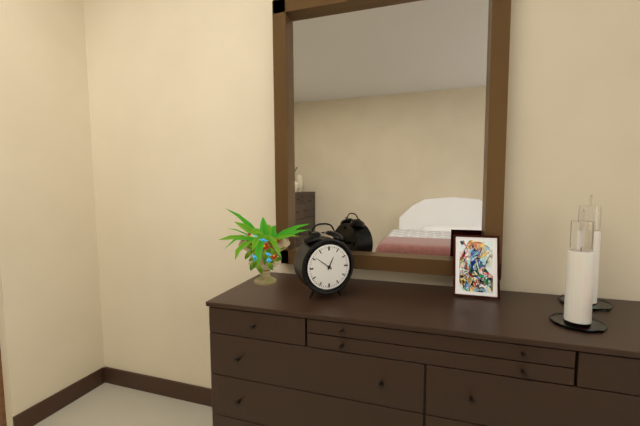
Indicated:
**12:51**
